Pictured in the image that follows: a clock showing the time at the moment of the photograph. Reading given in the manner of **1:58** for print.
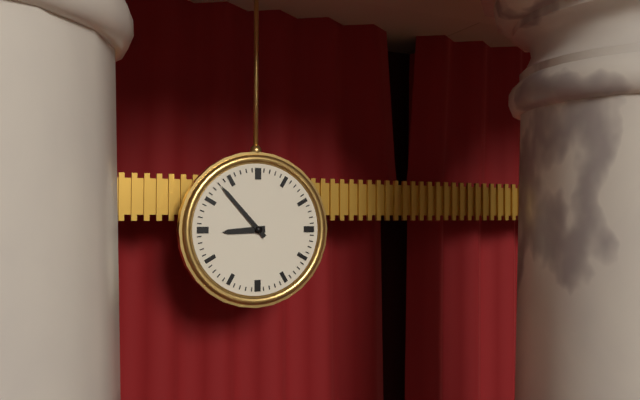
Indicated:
**8:53**
